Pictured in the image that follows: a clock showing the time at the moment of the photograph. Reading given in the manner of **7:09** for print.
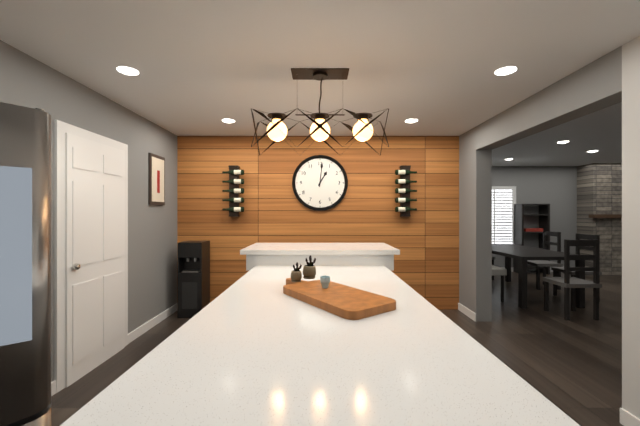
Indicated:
**1:01**
